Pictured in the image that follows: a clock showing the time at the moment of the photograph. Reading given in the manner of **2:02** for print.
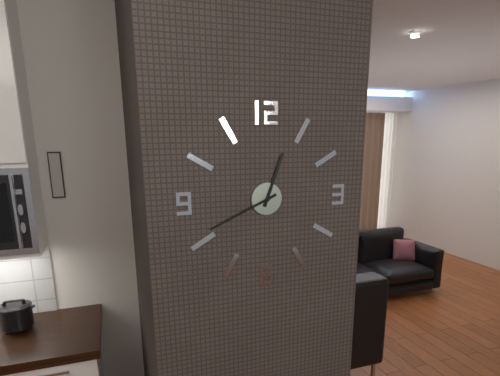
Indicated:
**12:41**
